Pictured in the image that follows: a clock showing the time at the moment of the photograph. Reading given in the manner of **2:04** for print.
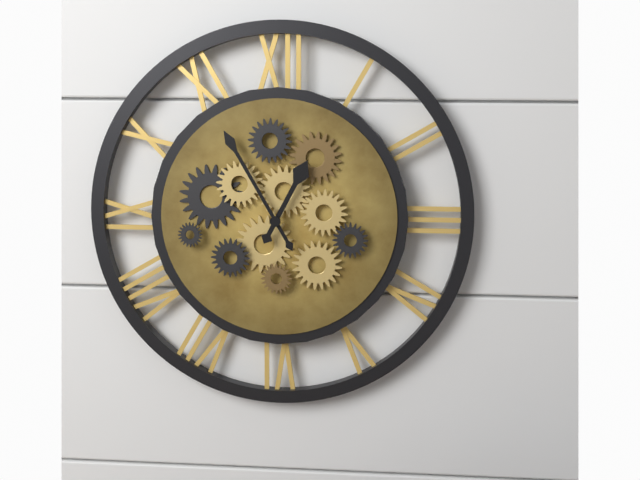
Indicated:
**12:55**
